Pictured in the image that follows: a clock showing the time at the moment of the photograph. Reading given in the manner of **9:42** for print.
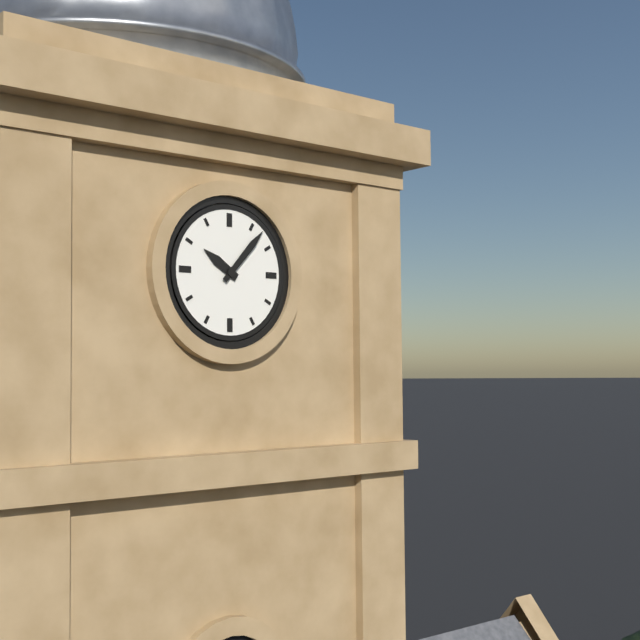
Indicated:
**10:07**
